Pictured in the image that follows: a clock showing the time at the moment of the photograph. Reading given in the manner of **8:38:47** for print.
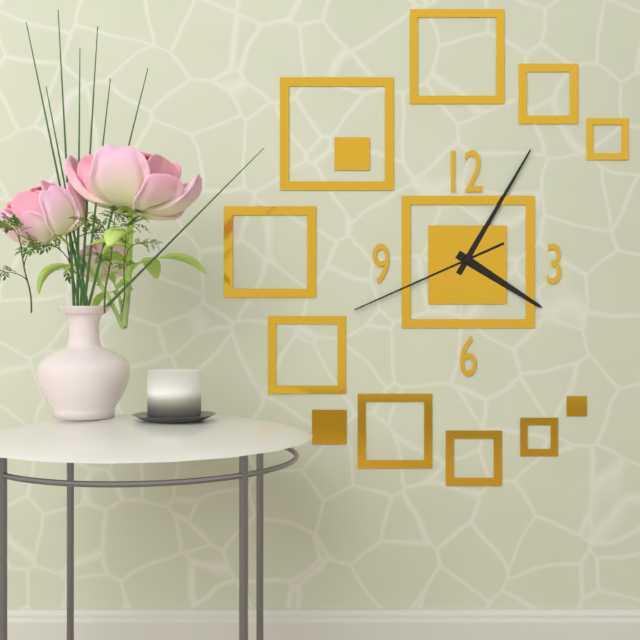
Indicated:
**4:05:41**
